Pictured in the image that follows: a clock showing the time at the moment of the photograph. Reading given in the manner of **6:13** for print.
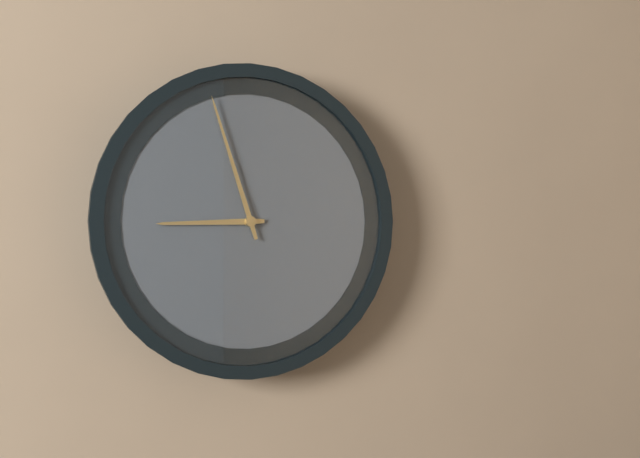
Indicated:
**8:57**
